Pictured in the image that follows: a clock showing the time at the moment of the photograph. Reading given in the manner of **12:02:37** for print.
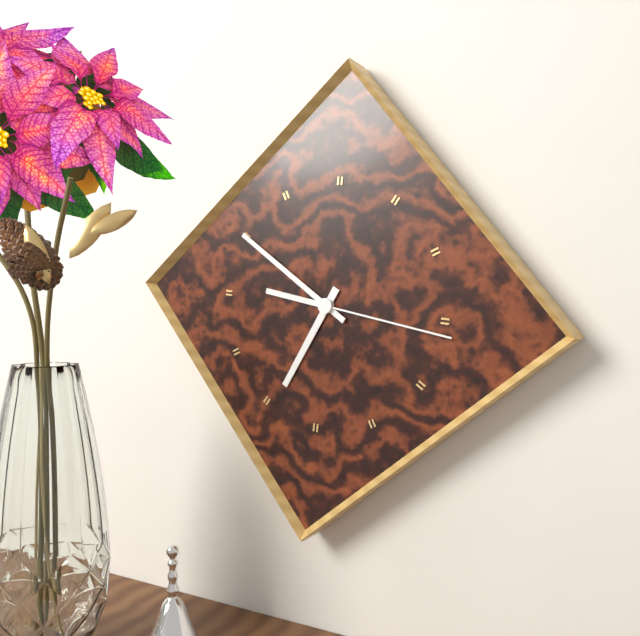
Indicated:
**6:50:16**
